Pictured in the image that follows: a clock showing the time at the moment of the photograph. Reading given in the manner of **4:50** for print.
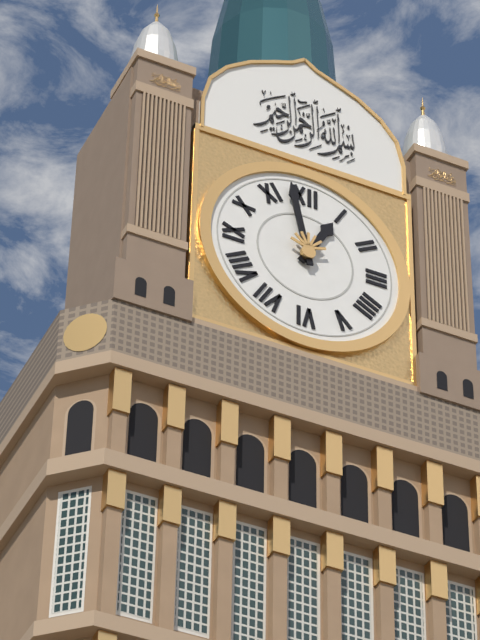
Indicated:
**12:58**
